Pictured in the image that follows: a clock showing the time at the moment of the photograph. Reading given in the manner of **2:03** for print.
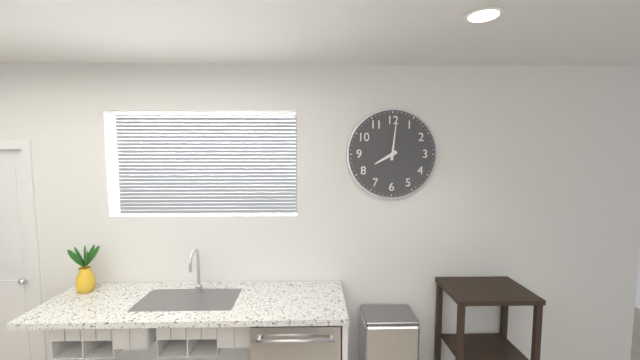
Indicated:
**8:01**
